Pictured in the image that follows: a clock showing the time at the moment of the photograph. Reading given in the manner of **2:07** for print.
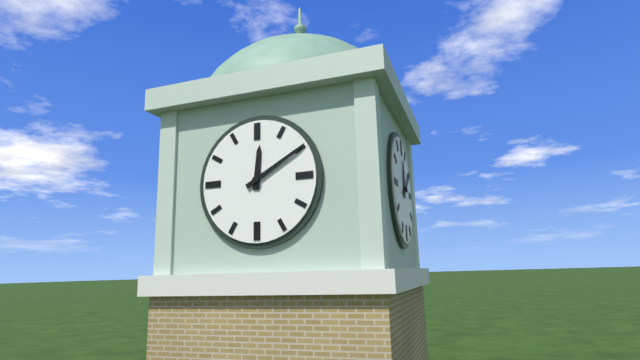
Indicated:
**12:10**
